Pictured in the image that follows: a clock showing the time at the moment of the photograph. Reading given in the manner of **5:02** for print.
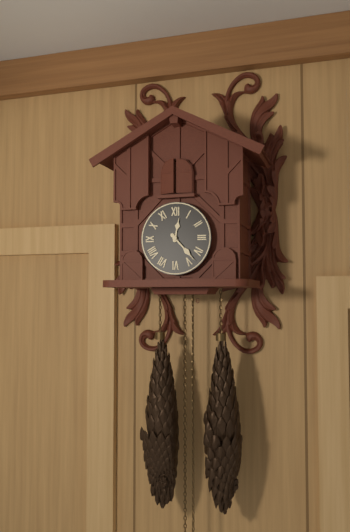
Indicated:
**12:23**
